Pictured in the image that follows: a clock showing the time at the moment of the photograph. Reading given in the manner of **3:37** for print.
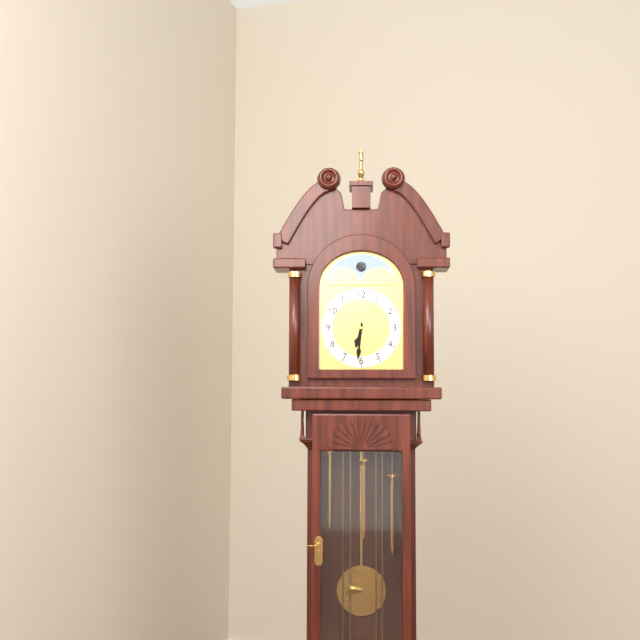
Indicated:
**6:31**
